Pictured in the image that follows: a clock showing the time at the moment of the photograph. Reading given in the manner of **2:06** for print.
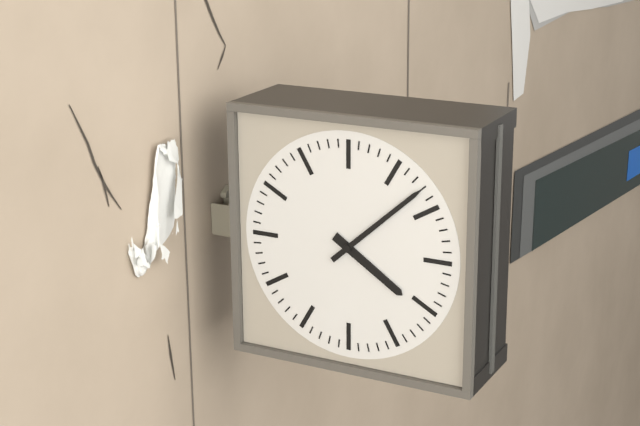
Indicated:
**4:08**
